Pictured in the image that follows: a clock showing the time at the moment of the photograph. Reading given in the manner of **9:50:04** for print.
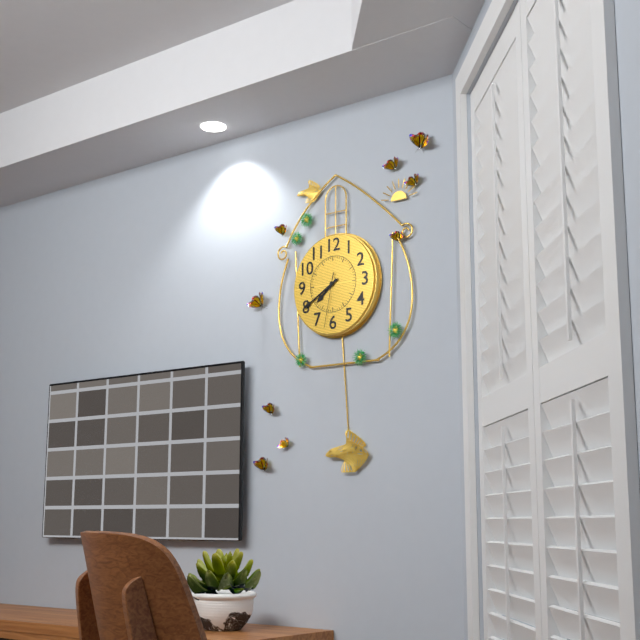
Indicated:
**7:40:32**
